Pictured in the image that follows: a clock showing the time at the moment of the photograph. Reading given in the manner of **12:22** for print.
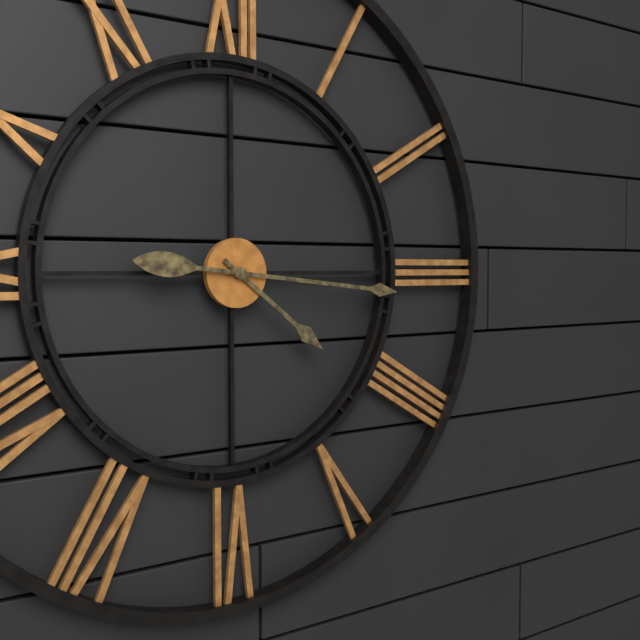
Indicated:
**4:16**
